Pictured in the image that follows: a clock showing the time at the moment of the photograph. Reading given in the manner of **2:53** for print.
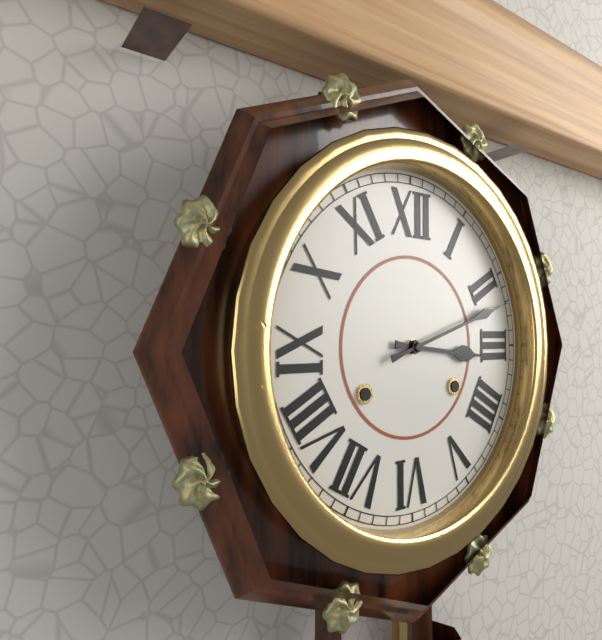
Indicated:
**3:12**
